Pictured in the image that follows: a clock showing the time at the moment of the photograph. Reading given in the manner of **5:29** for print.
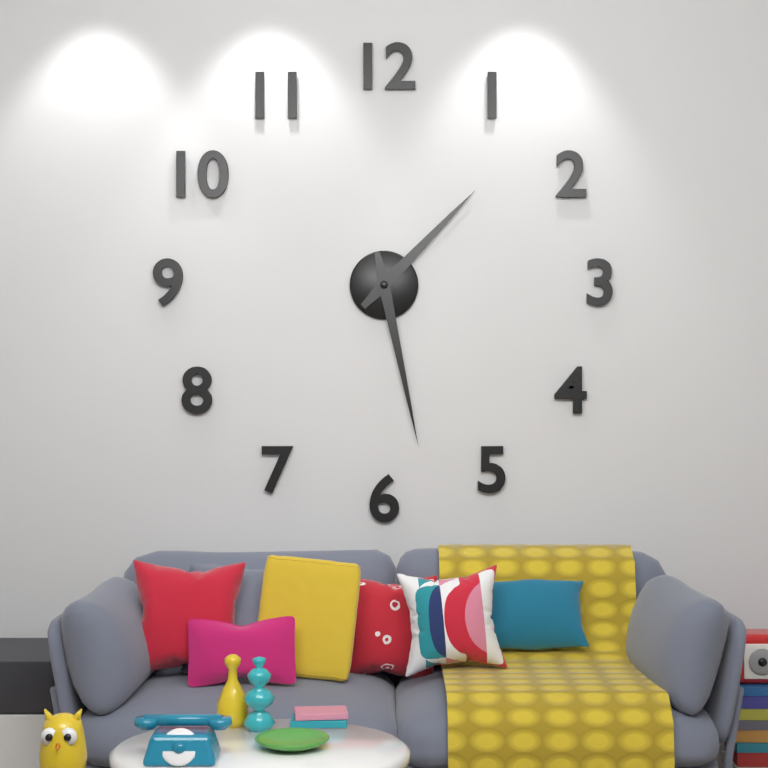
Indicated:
**1:28**
